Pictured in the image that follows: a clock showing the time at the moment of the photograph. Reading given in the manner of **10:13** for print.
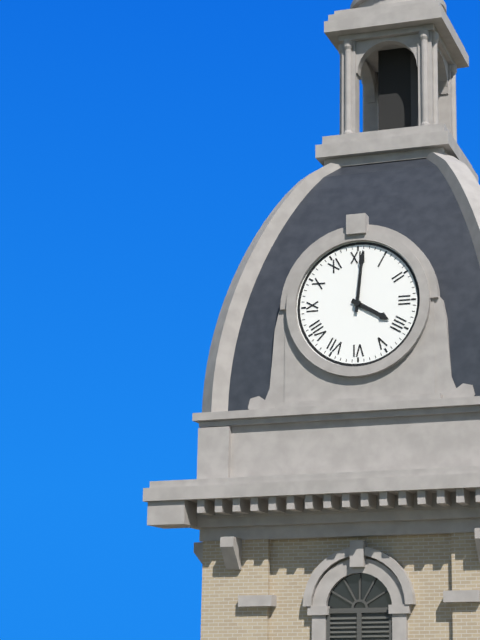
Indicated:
**4:01**
